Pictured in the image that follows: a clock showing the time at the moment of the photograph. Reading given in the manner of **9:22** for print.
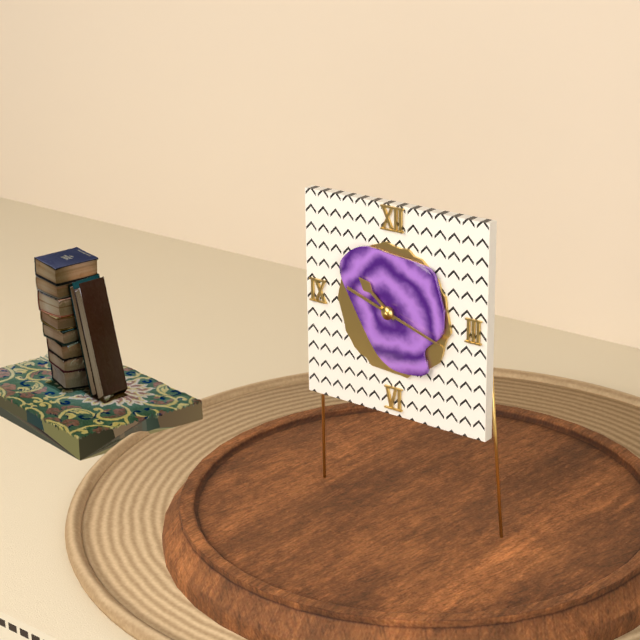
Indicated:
**10:18**
